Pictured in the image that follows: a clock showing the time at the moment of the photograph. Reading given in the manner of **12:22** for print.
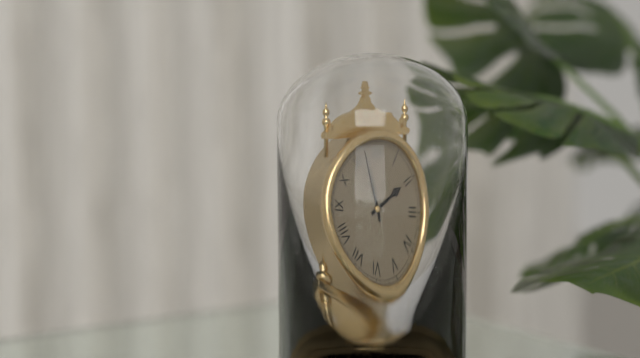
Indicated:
**1:57**
